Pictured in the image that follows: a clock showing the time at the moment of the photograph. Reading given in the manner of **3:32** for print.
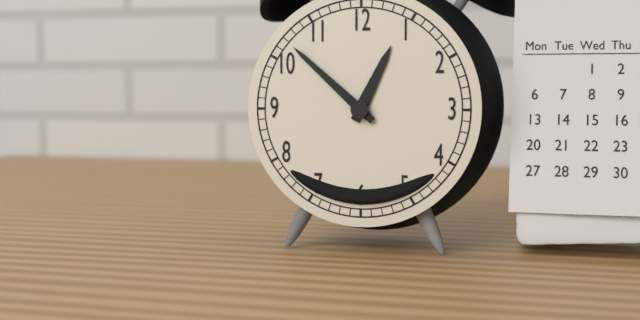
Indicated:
**12:52**
